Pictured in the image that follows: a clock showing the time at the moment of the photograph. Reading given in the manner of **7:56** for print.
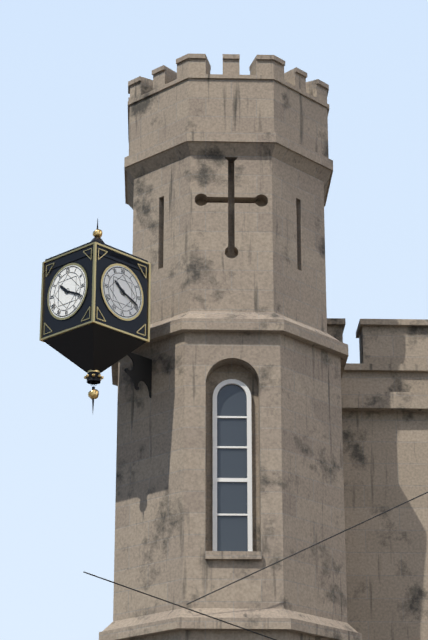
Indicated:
**10:19**
